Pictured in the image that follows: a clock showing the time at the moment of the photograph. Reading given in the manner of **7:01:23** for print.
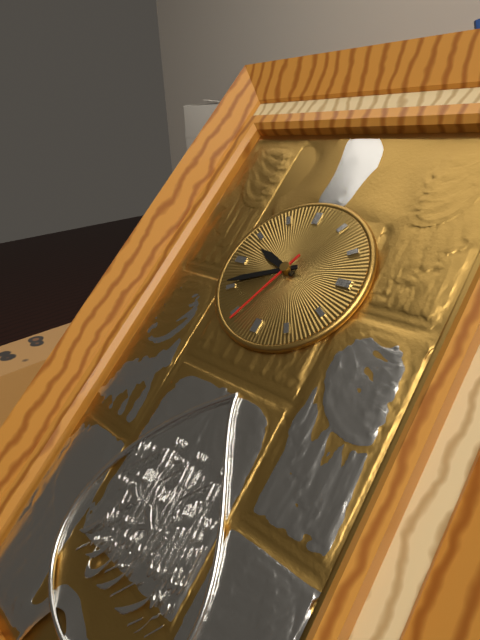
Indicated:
**9:41:34**
